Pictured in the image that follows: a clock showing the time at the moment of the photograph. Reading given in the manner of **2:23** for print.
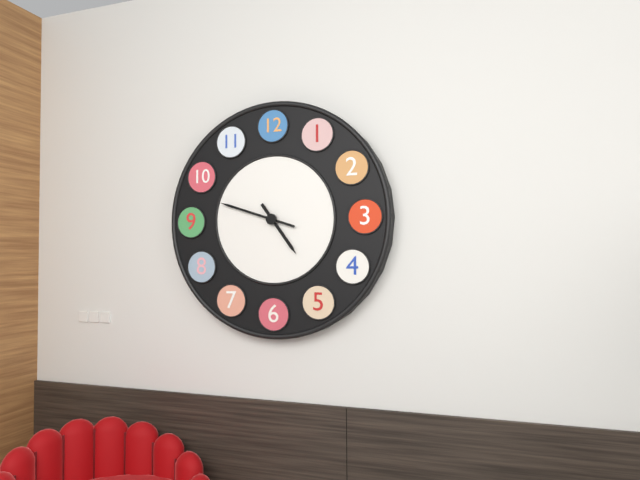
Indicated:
**4:48**
